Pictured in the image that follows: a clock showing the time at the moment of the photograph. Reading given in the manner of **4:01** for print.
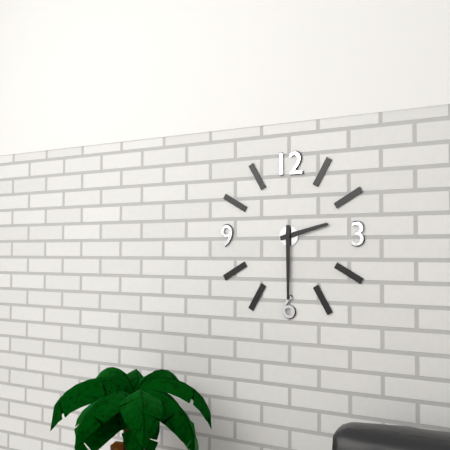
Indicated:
**2:30**
